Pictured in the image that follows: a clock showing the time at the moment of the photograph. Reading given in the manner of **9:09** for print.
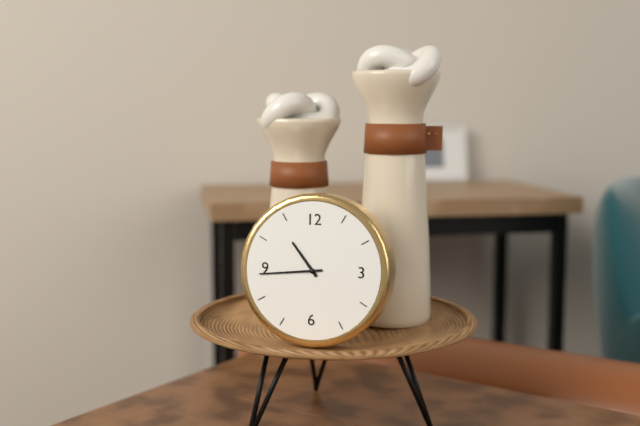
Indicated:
**10:44**
